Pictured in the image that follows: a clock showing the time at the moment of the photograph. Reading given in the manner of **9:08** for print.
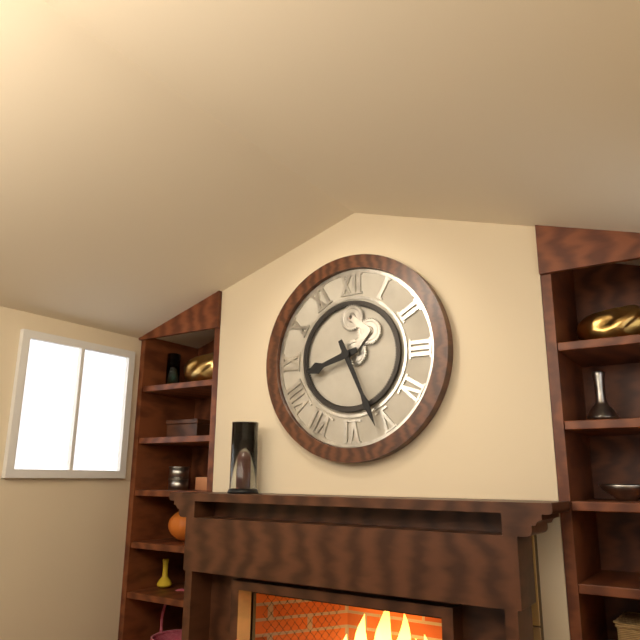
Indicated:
**8:26**
